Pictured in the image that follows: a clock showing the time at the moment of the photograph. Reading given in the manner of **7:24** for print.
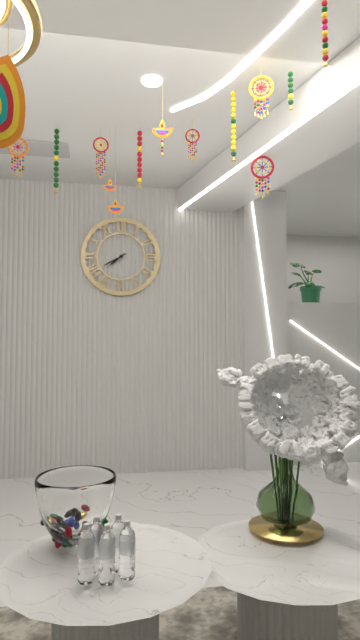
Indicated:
**7:40**
